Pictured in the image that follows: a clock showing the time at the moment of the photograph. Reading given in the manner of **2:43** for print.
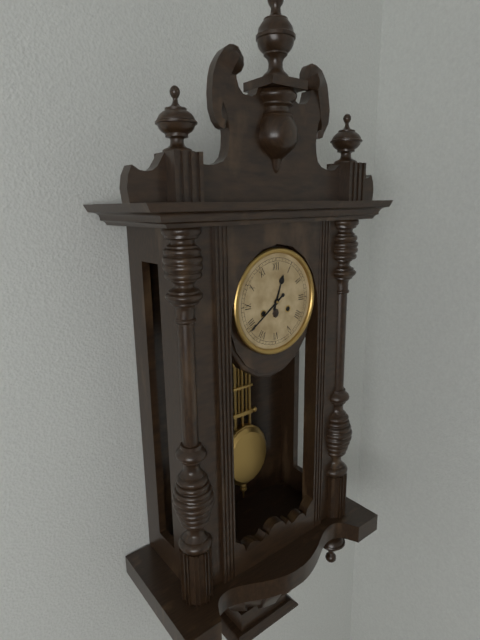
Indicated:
**12:39**
